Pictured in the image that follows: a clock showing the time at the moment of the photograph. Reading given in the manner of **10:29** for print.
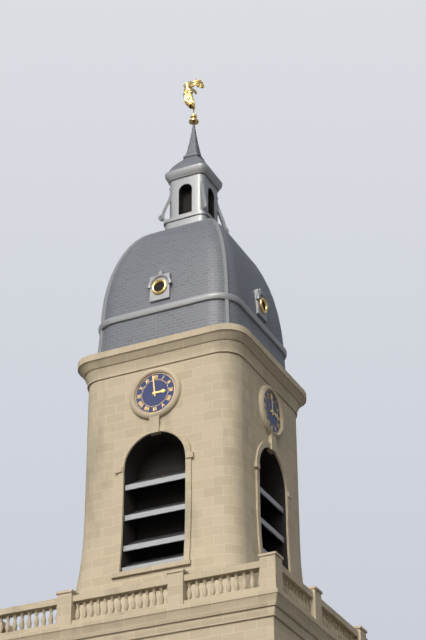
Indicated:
**2:59**
